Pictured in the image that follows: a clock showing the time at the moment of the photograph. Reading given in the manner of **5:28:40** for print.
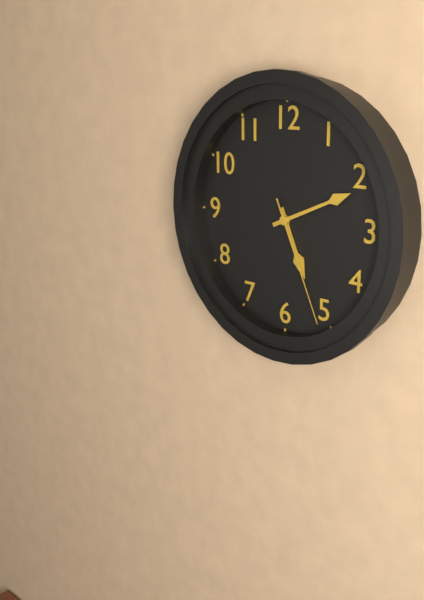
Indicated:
**5:11:26**
